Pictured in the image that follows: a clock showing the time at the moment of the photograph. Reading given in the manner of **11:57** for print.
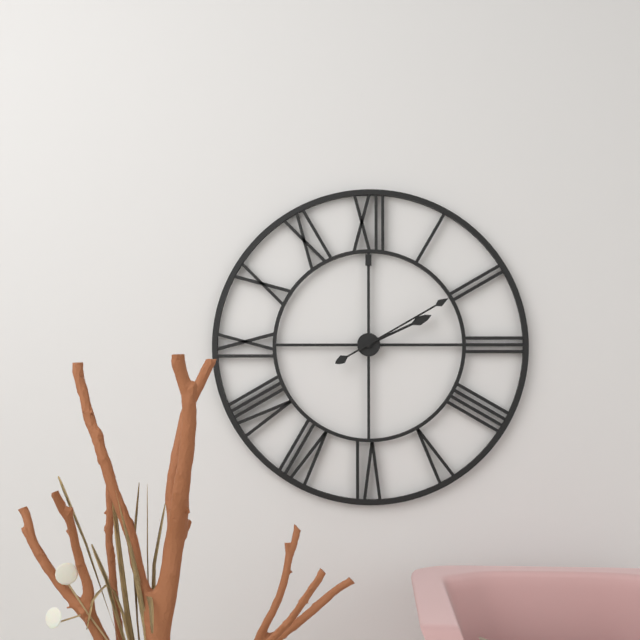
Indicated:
**2:10**
